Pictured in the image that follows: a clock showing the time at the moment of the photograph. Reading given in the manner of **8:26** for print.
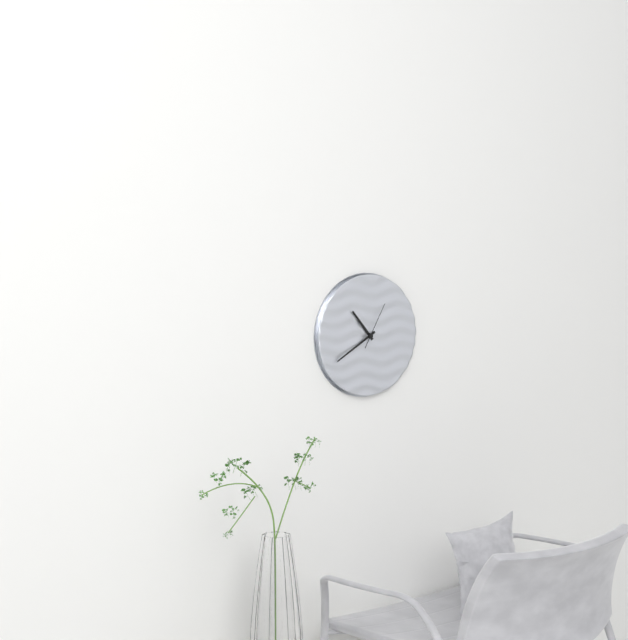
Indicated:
**10:40**
